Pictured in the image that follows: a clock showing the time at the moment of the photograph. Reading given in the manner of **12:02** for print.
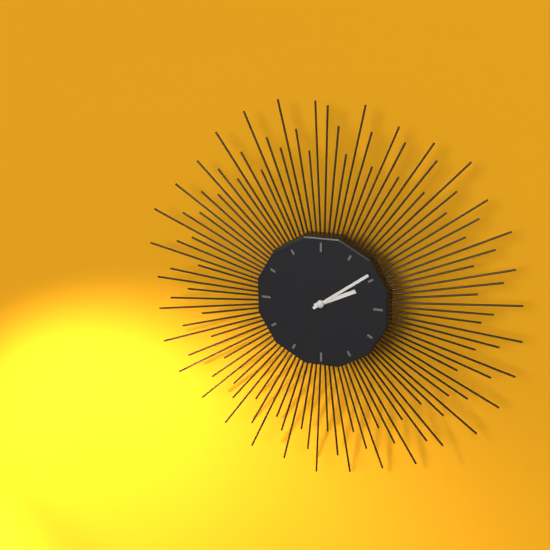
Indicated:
**2:09**
